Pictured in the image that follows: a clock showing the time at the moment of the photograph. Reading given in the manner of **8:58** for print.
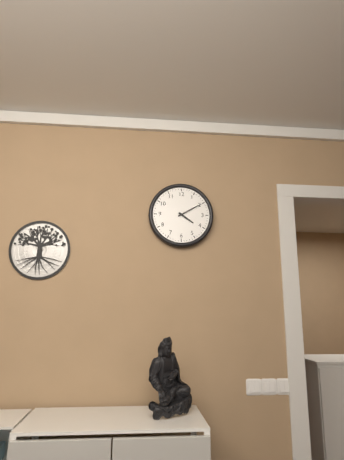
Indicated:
**4:10**
